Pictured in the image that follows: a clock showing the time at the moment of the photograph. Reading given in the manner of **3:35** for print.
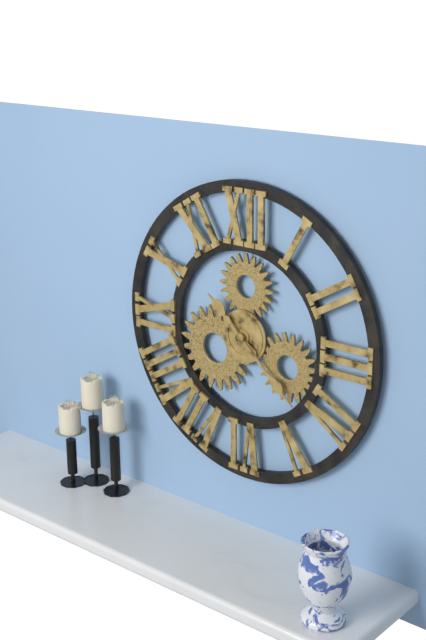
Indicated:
**10:22**
